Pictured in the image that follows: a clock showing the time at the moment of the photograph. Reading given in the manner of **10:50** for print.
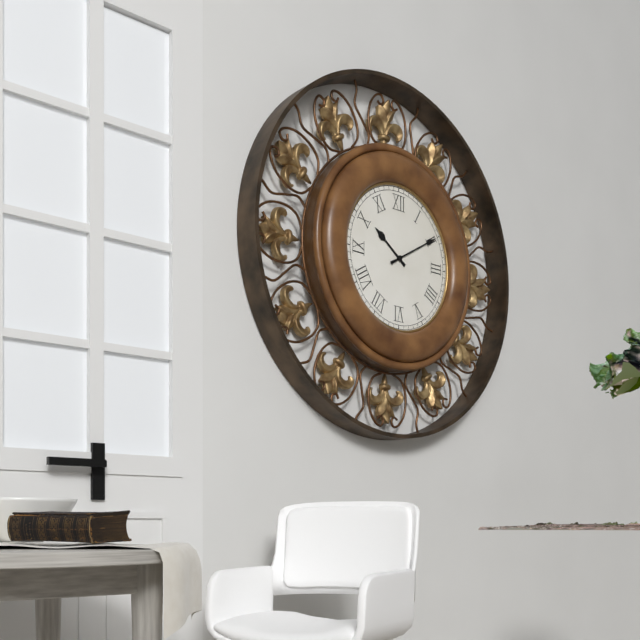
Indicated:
**10:10**
